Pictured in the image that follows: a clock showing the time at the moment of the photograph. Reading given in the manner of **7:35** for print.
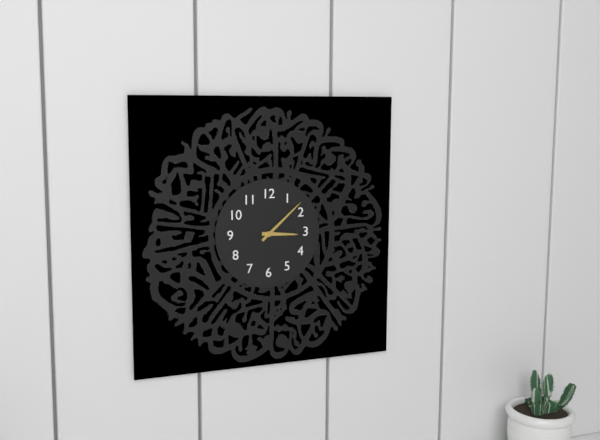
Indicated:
**3:08**
